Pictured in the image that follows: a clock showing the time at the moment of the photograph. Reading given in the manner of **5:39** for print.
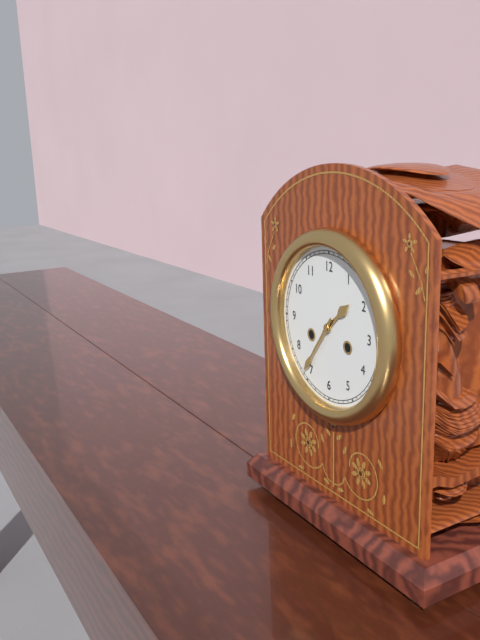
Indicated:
**1:36**
